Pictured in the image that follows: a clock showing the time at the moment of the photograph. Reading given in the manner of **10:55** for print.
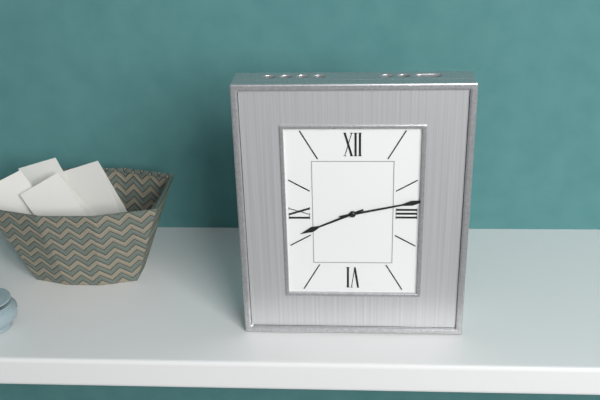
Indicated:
**8:13**
